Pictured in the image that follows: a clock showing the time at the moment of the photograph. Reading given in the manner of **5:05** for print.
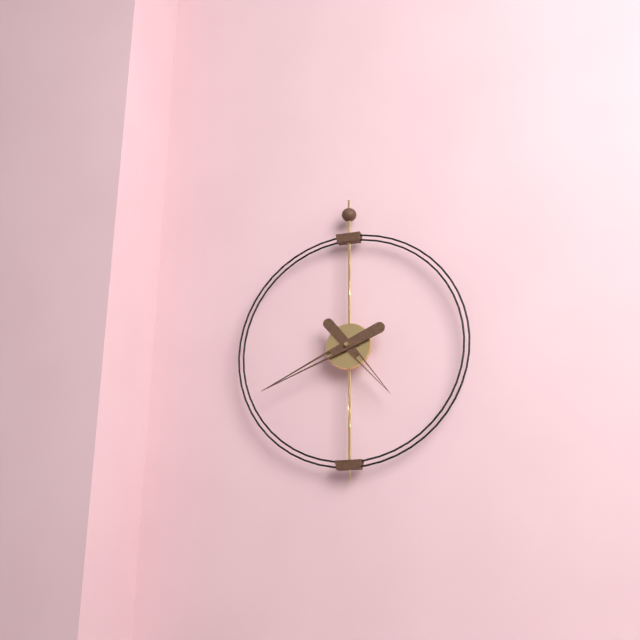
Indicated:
**4:41**
